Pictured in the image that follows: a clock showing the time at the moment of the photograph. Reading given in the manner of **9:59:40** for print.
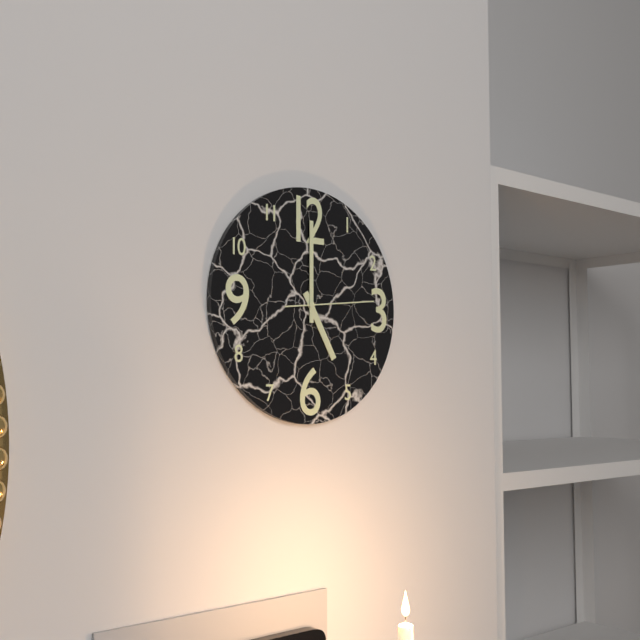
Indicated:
**5:00:14**
